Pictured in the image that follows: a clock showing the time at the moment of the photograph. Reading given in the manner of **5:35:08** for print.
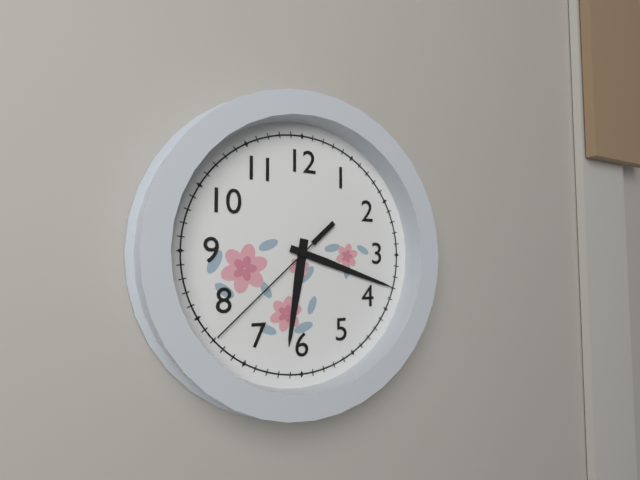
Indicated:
**6:18:38**
